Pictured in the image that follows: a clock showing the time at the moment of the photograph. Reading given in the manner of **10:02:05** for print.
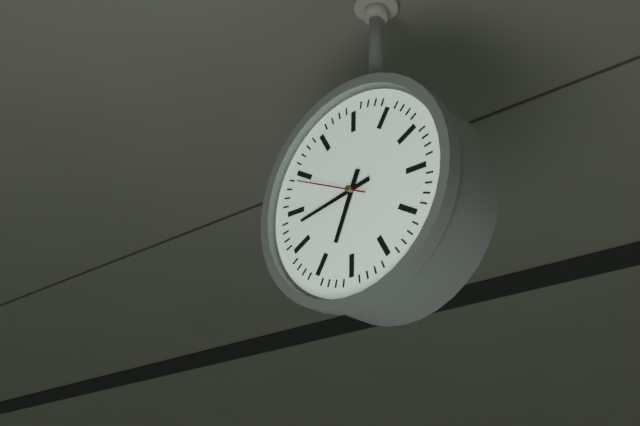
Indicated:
**6:43:49**
